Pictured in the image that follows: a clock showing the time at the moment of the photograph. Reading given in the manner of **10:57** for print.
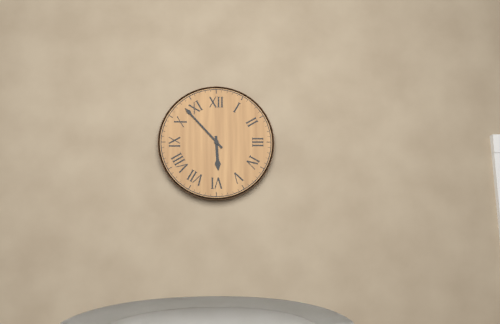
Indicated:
**5:53**
